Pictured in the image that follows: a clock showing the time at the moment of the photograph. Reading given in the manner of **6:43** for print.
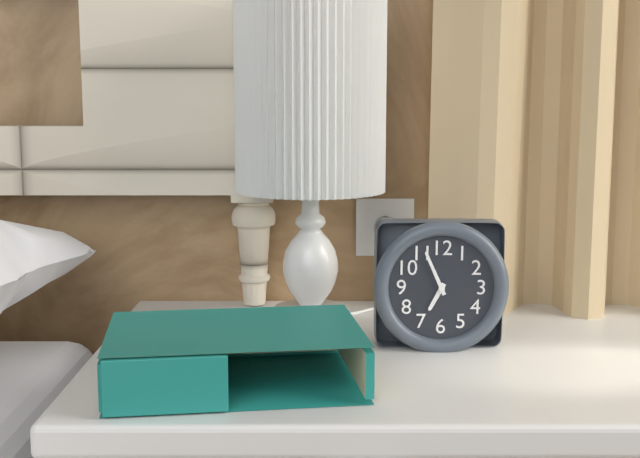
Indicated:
**6:56**
